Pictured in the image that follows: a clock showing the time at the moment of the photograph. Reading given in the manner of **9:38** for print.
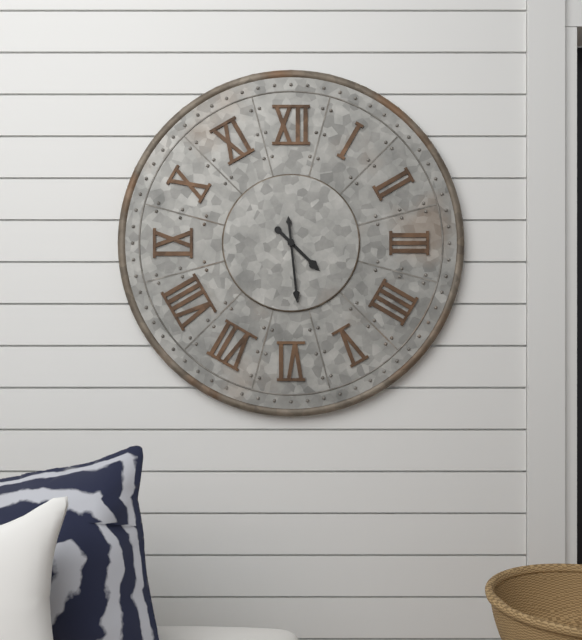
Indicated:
**4:29**
